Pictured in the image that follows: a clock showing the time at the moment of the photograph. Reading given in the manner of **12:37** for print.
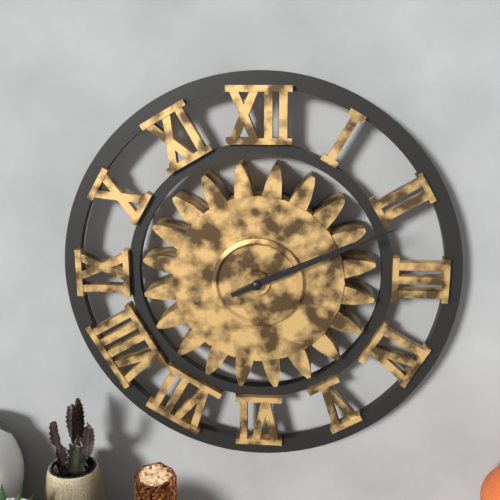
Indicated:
**2:11**
